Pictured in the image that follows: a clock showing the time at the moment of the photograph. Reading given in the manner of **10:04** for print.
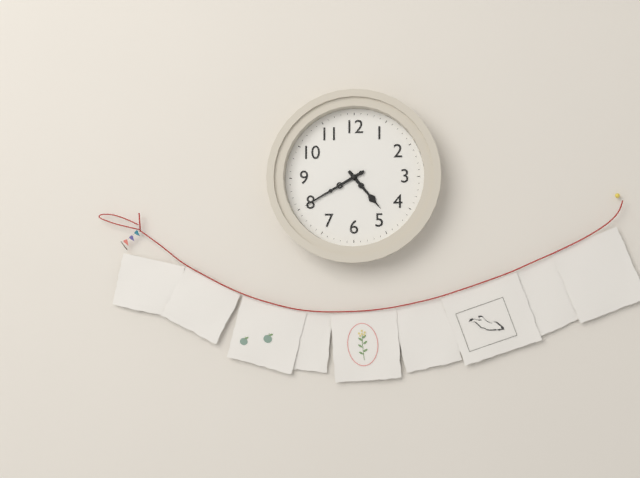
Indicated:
**4:40**
